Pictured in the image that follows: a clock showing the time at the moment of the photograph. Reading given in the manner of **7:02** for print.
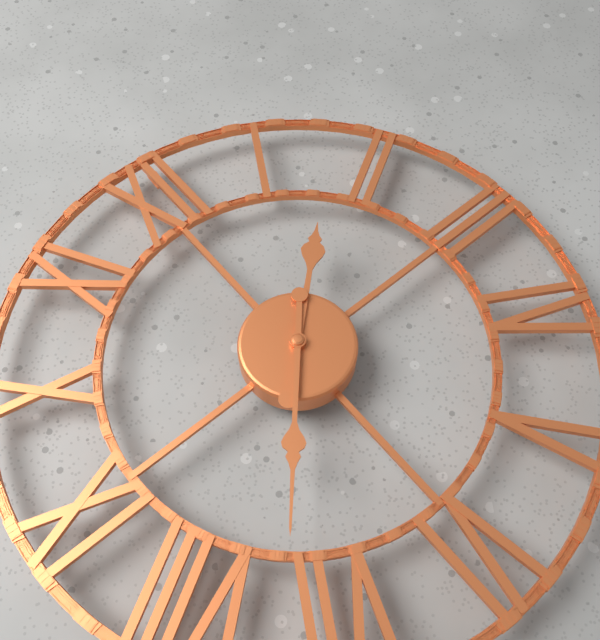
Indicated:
**1:37**
